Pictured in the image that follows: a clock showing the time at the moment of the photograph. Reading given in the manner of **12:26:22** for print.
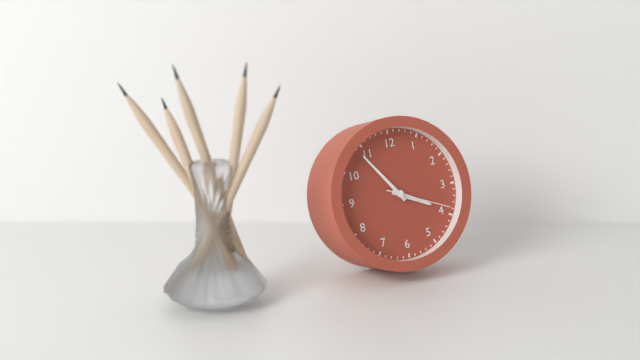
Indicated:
**3:54:19**
